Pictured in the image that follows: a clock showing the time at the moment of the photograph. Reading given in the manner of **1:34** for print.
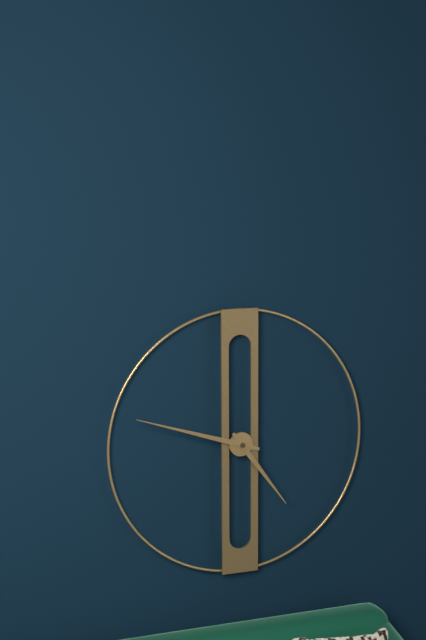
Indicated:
**4:48**
